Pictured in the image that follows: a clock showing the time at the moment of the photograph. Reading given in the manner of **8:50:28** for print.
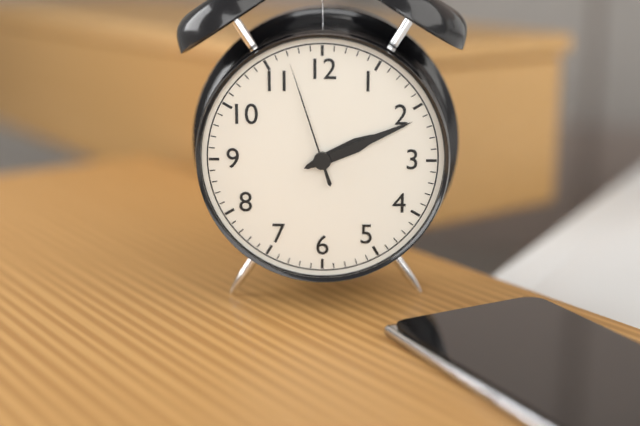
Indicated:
**2:11:57**
